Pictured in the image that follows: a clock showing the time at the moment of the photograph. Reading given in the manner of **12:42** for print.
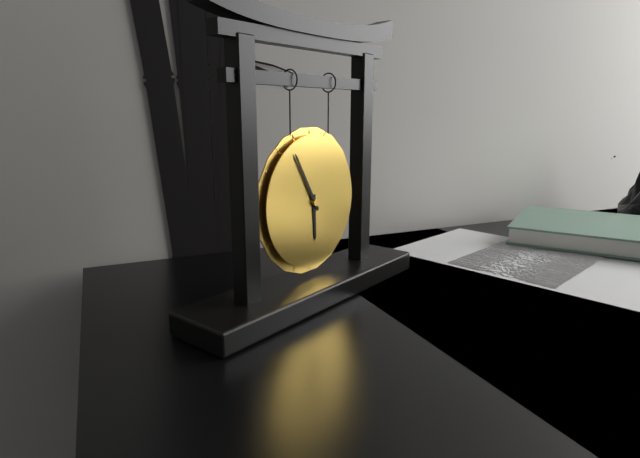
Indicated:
**5:55**
